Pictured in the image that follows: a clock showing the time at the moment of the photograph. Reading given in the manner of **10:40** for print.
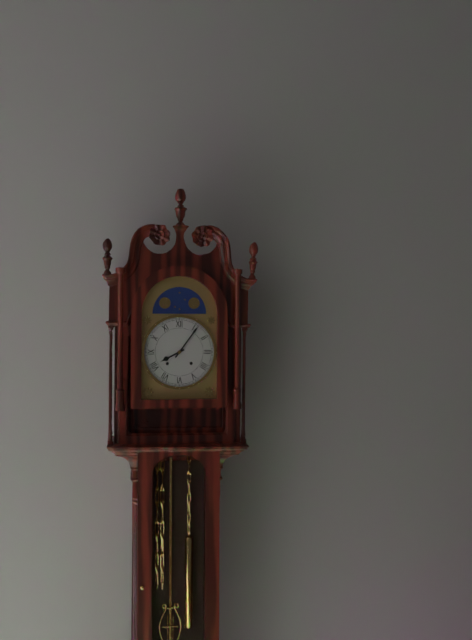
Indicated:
**8:06**
